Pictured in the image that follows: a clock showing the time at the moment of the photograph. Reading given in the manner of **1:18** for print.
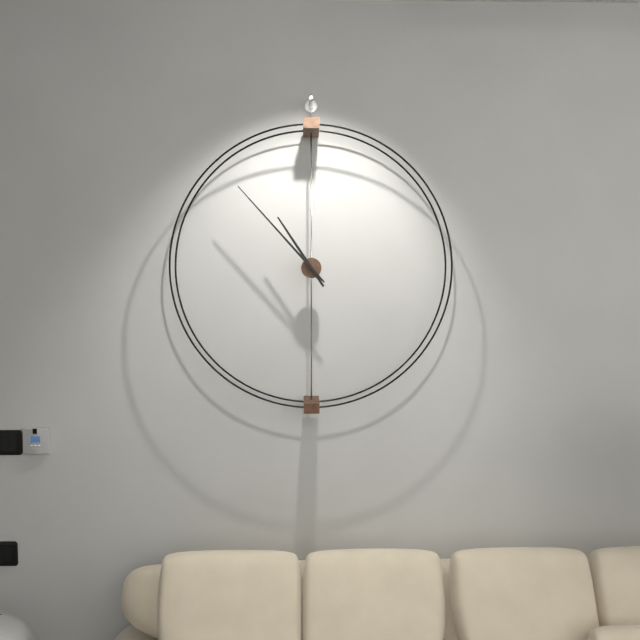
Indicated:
**10:53**
